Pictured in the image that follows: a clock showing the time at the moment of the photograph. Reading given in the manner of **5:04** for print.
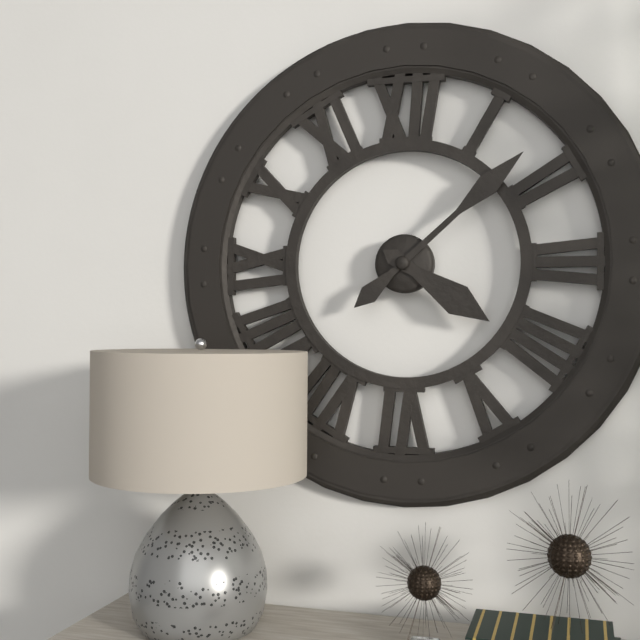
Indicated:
**4:08**
